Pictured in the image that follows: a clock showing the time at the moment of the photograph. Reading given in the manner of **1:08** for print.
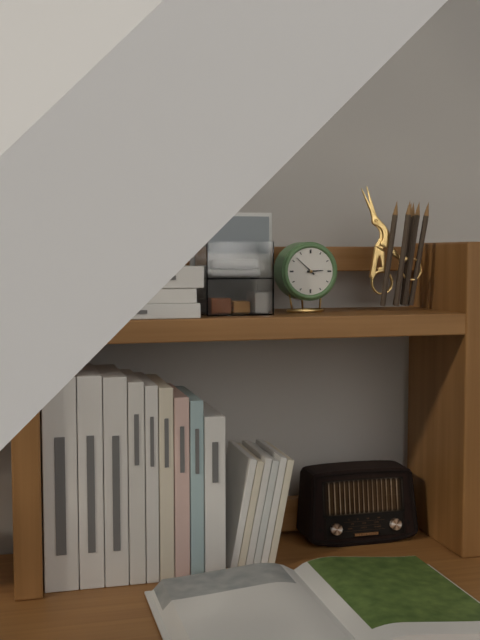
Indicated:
**2:52**
